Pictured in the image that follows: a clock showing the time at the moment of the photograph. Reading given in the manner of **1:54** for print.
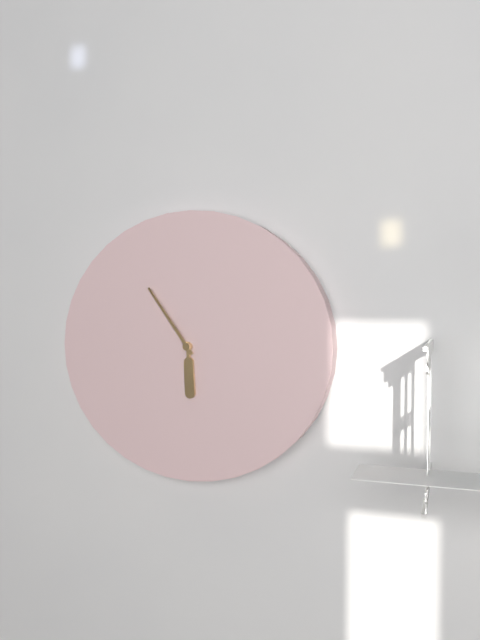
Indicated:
**5:54**
